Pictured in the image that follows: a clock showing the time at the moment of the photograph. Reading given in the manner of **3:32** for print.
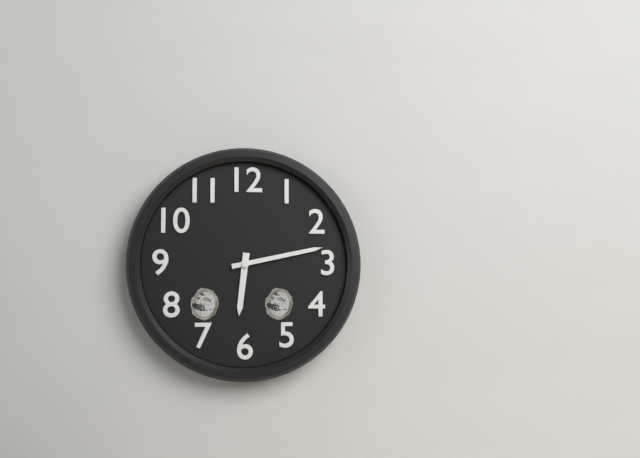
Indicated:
**6:13**
